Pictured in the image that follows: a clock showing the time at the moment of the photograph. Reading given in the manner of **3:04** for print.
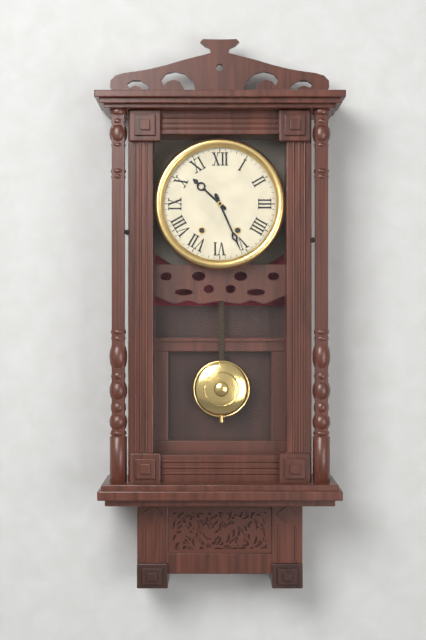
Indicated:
**10:26**
